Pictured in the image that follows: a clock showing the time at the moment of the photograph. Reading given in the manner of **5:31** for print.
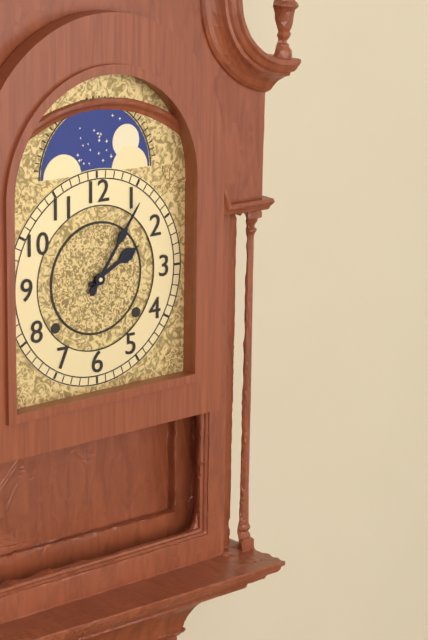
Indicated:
**2:06**
